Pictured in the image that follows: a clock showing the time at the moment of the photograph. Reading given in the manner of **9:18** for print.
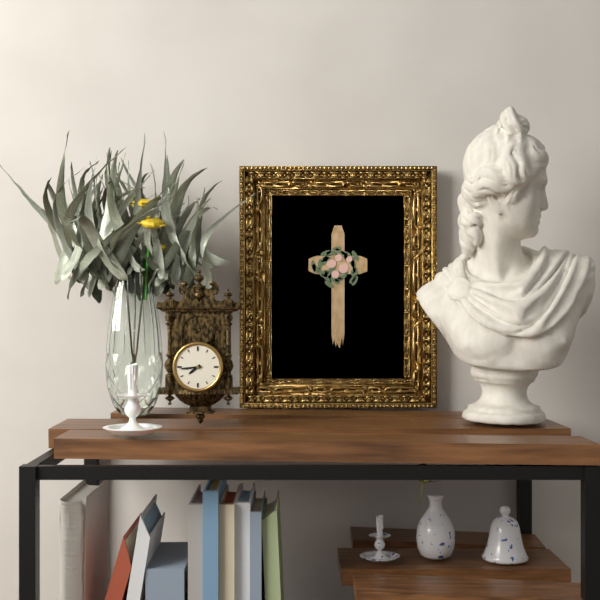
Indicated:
**7:44**
